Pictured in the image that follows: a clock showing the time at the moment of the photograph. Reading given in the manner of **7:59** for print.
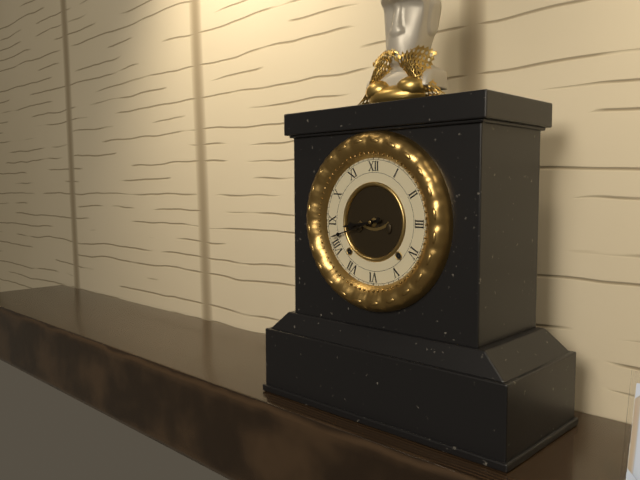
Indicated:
**8:42**
